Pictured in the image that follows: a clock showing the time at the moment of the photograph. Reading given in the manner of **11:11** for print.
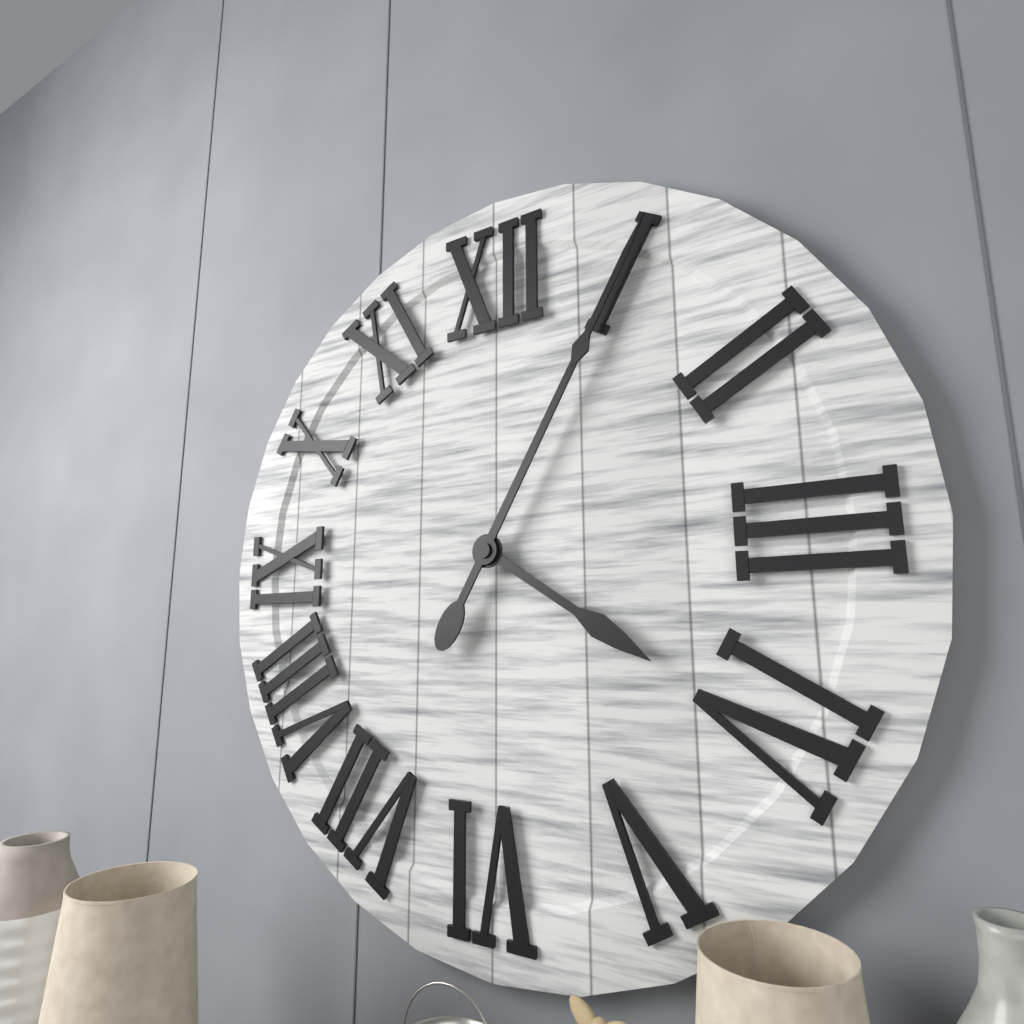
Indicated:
**4:05**
